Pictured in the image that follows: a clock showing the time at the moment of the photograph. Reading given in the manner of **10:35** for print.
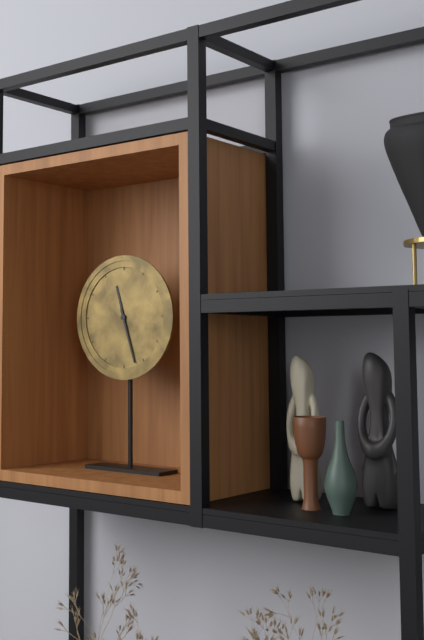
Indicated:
**11:27**
